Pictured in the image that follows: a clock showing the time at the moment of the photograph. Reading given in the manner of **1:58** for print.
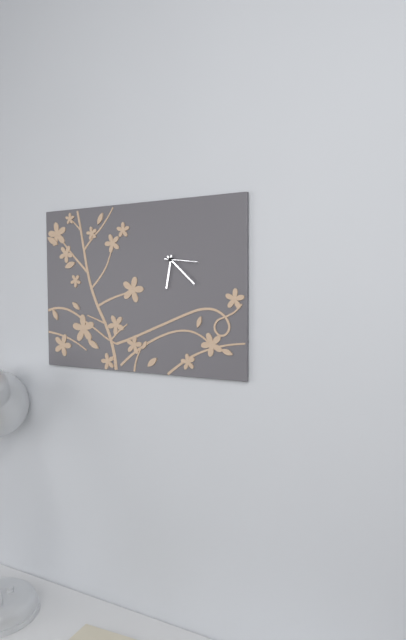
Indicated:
**6:22**
